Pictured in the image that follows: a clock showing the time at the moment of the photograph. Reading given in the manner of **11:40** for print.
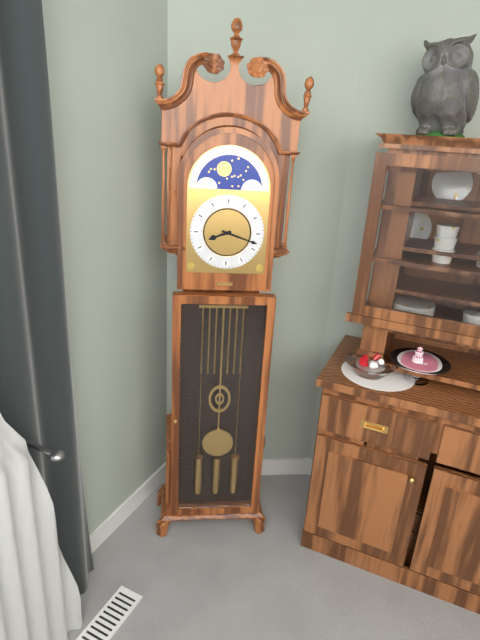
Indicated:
**8:18**
